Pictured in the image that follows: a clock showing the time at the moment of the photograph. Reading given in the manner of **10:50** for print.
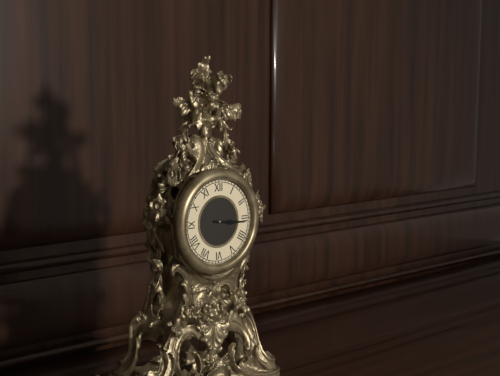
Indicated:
**3:16**
